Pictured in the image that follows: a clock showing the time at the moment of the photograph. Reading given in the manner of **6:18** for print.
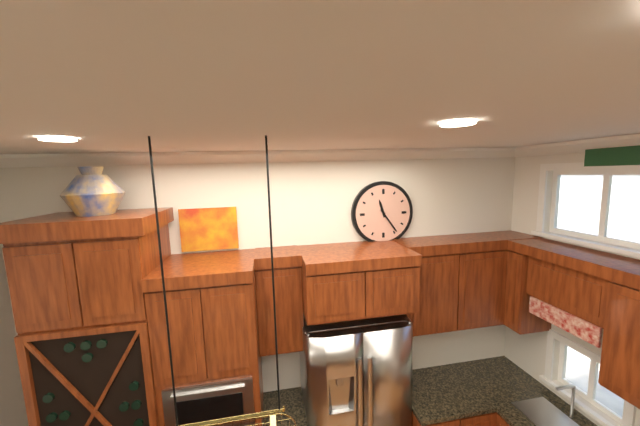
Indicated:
**11:24**
